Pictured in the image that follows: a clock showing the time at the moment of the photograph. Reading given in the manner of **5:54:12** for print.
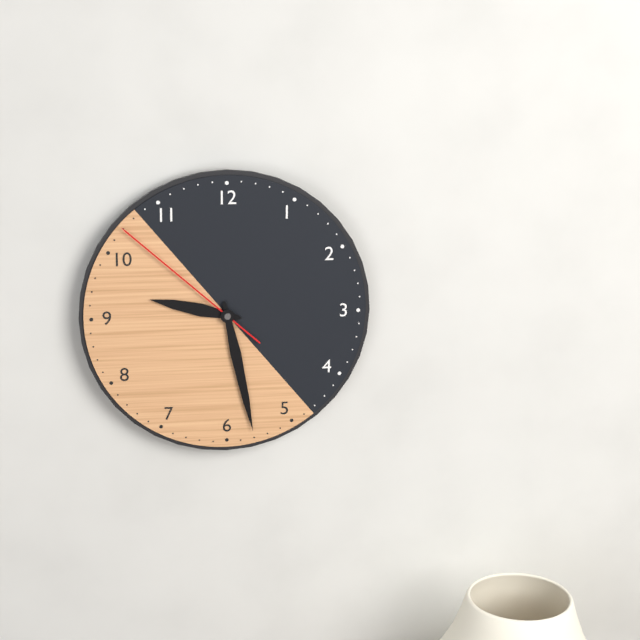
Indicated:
**9:28:52**
